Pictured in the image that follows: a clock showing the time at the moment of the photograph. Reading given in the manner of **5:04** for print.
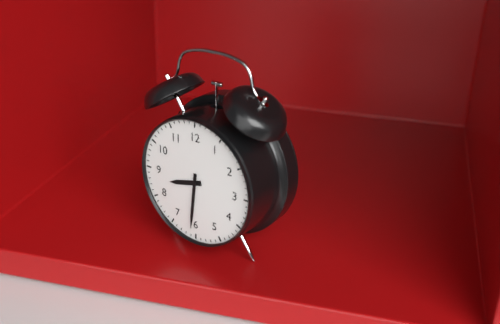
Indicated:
**8:31**
